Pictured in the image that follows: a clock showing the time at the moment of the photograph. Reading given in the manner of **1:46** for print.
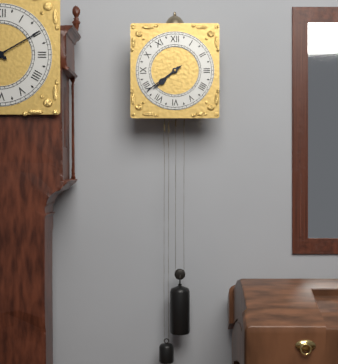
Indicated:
**7:39**
